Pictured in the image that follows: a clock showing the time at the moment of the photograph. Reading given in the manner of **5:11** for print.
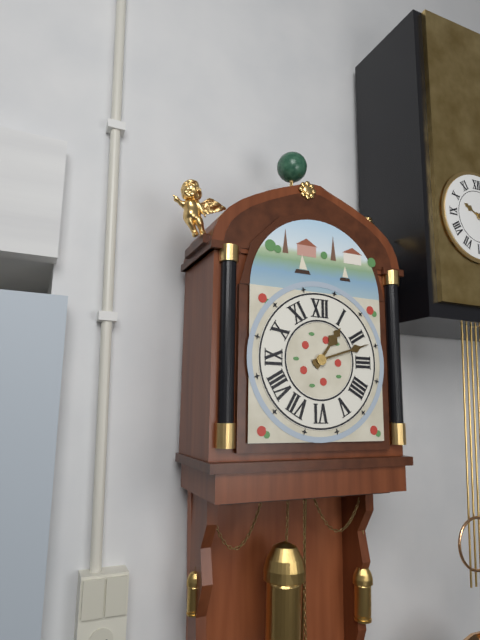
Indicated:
**1:12**
